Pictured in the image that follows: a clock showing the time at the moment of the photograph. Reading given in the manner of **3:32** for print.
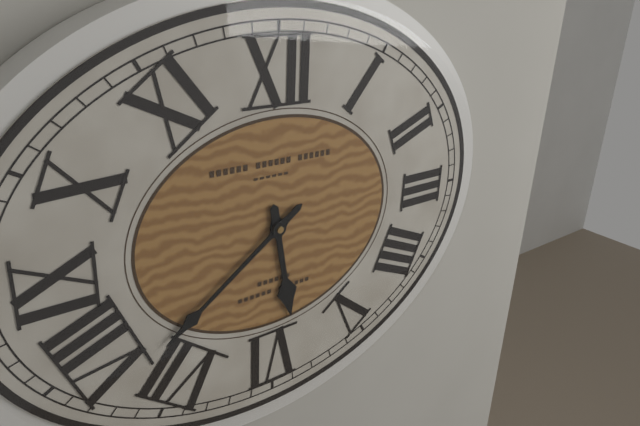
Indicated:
**5:39**
